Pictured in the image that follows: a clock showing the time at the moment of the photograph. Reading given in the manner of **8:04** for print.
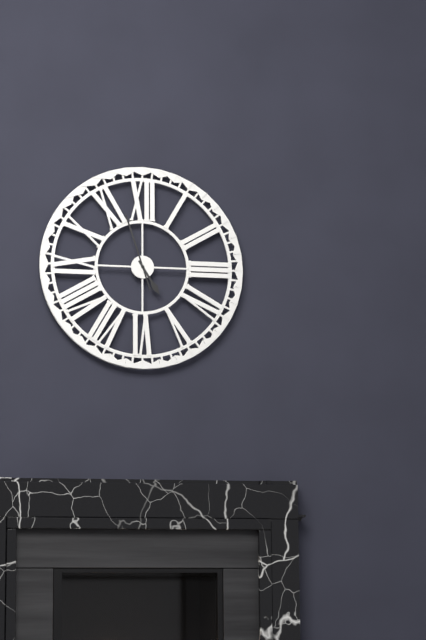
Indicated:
**4:57**
